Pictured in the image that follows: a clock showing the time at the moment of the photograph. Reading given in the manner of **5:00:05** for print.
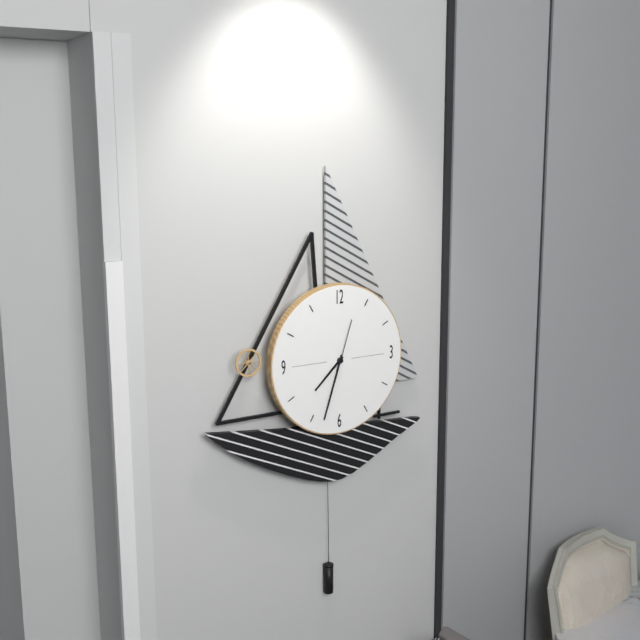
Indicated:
**7:33:33**
